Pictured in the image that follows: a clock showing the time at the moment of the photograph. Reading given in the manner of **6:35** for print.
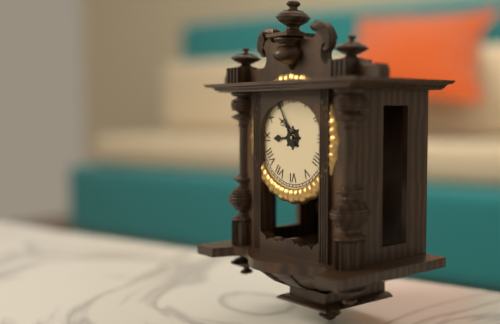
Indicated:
**8:55**
